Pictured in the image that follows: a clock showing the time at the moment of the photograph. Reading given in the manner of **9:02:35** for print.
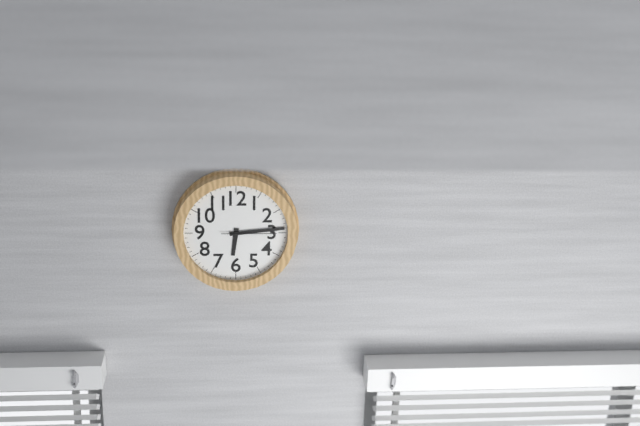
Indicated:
**6:14:15**
